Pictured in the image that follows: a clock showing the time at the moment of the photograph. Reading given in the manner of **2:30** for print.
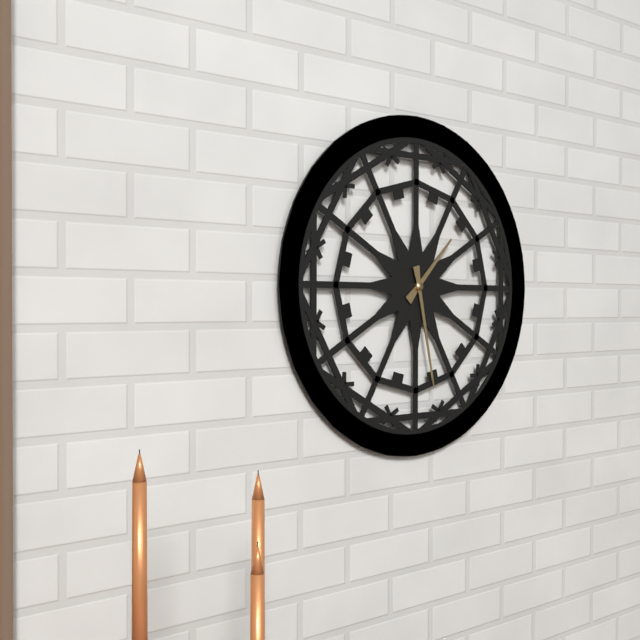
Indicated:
**1:28**
